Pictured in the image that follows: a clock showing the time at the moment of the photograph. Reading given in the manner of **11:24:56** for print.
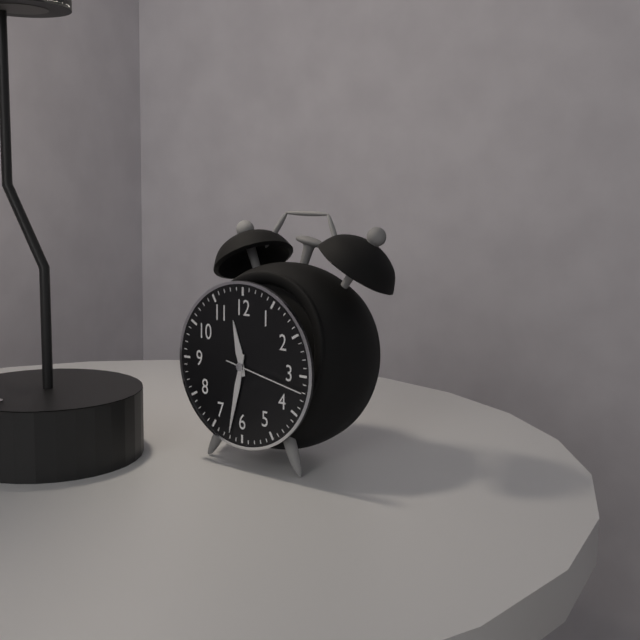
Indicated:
**11:32:17**
